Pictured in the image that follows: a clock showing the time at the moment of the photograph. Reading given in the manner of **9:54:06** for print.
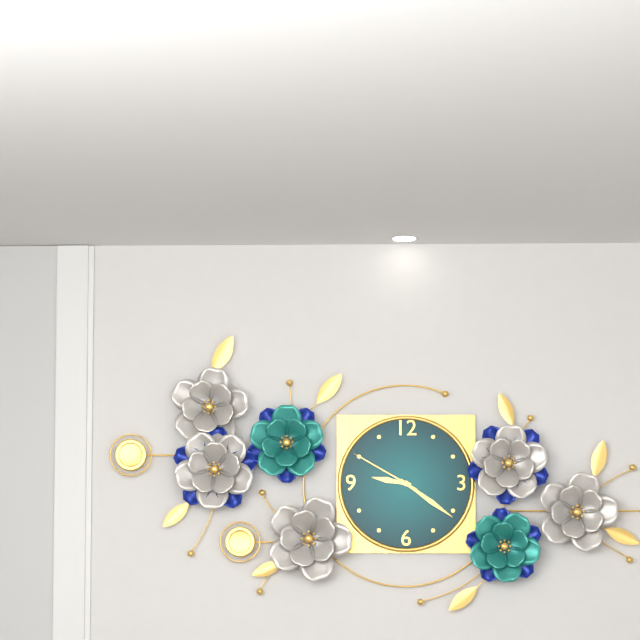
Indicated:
**9:21:50**
